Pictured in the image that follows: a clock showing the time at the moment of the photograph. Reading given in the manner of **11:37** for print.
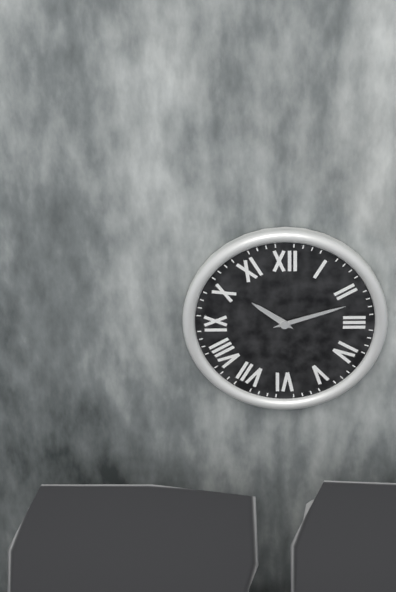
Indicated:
**10:12**
